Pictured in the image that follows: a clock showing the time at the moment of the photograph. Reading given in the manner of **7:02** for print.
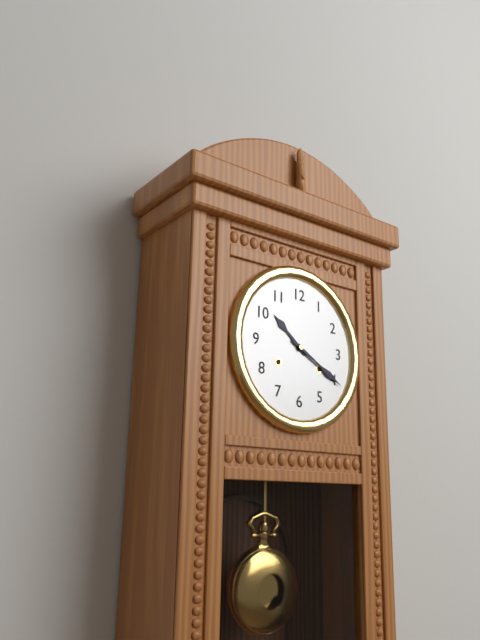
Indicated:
**10:20**
